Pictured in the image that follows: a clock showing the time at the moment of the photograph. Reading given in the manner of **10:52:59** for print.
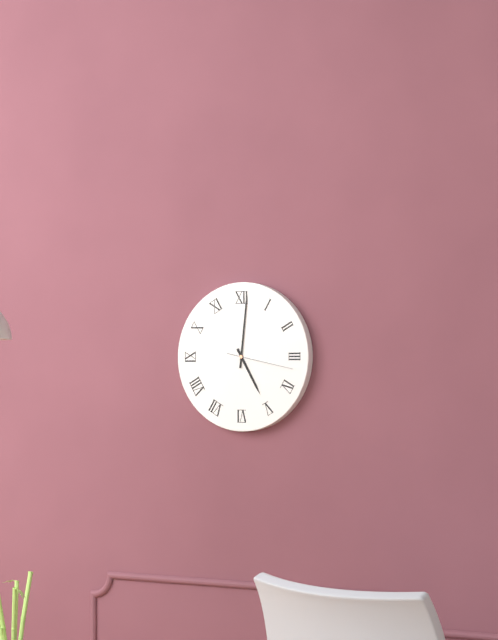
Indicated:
**5:01:17**
